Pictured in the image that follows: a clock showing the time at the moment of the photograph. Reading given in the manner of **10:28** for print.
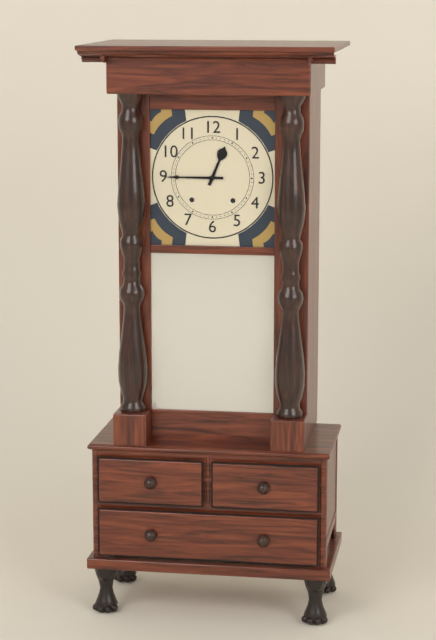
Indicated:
**12:45**
